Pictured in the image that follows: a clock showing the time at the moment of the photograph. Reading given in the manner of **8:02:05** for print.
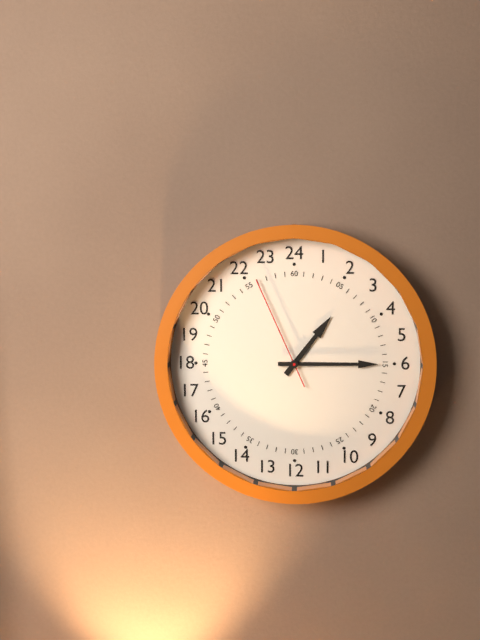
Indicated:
**1:15:56**
